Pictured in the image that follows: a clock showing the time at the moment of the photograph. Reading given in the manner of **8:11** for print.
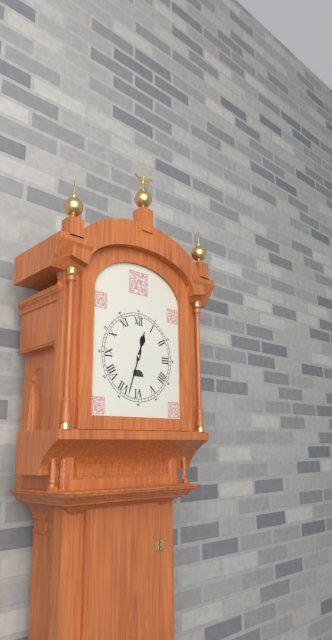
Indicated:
**12:33**
